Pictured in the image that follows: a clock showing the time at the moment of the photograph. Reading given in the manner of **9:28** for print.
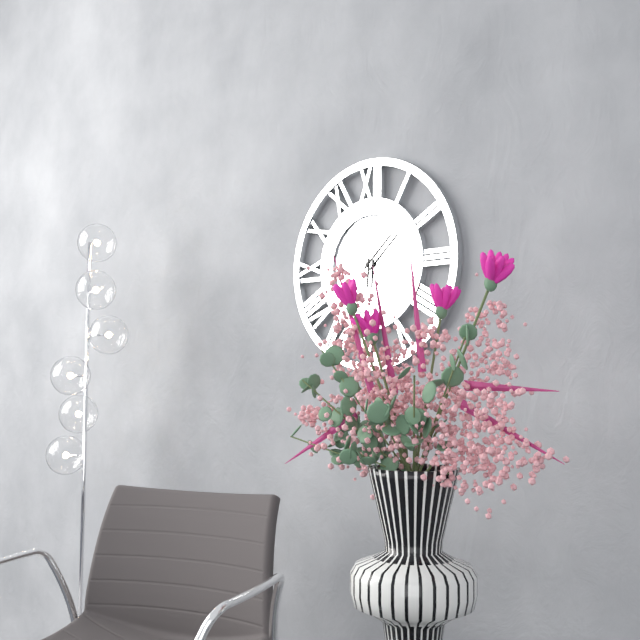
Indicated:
**6:08**
